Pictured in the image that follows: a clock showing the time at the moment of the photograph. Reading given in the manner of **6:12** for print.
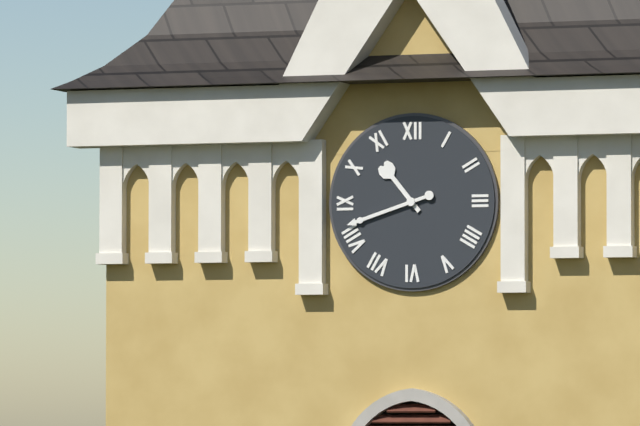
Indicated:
**10:42**
